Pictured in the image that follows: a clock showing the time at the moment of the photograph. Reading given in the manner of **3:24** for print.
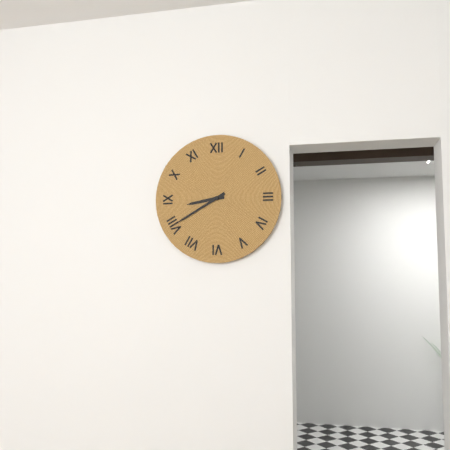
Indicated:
**8:40**
